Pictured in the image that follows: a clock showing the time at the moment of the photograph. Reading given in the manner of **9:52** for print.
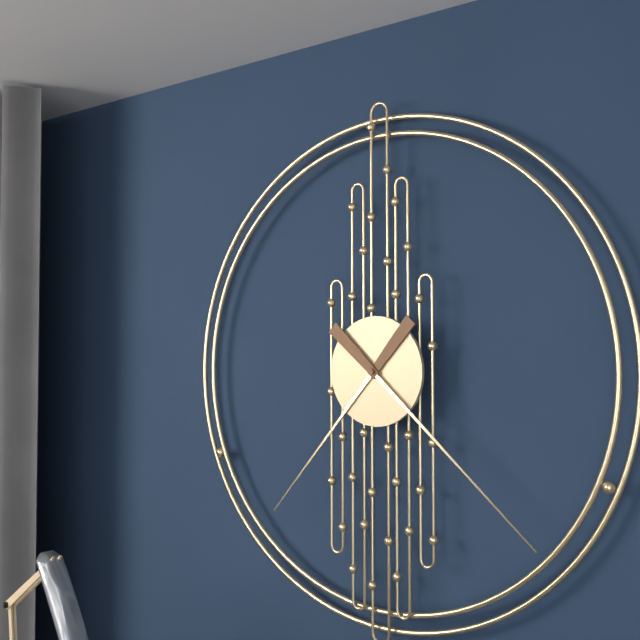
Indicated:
**7:22**
